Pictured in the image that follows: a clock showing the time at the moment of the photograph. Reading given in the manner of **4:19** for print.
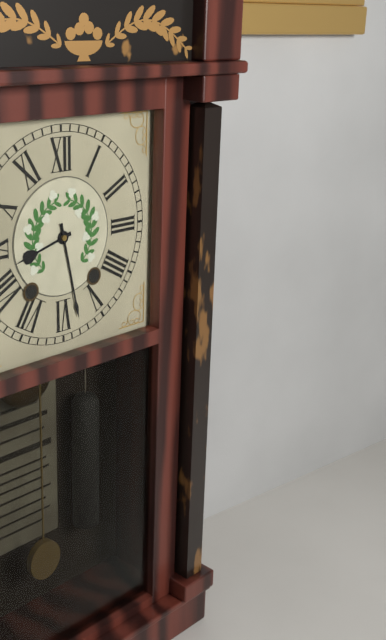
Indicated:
**8:28**
